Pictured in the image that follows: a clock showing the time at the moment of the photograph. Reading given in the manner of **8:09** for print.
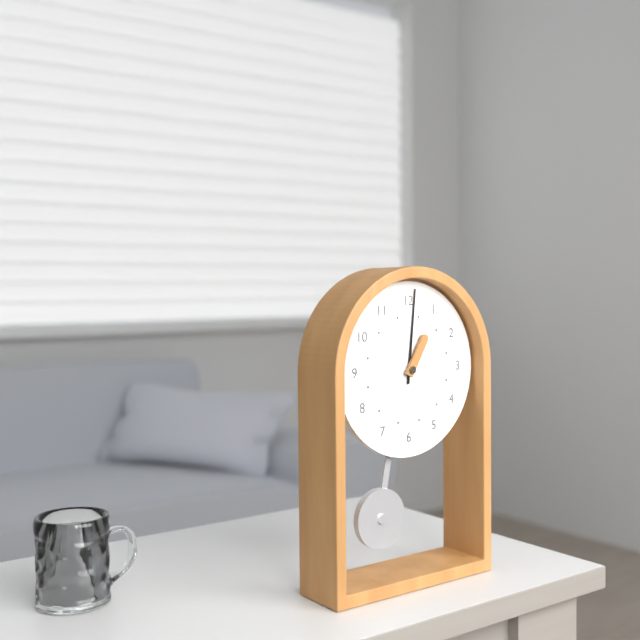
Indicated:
**1:01**
